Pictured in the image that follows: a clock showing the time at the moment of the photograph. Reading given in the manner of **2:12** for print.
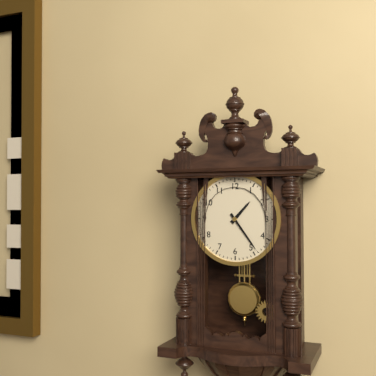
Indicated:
**1:24**
